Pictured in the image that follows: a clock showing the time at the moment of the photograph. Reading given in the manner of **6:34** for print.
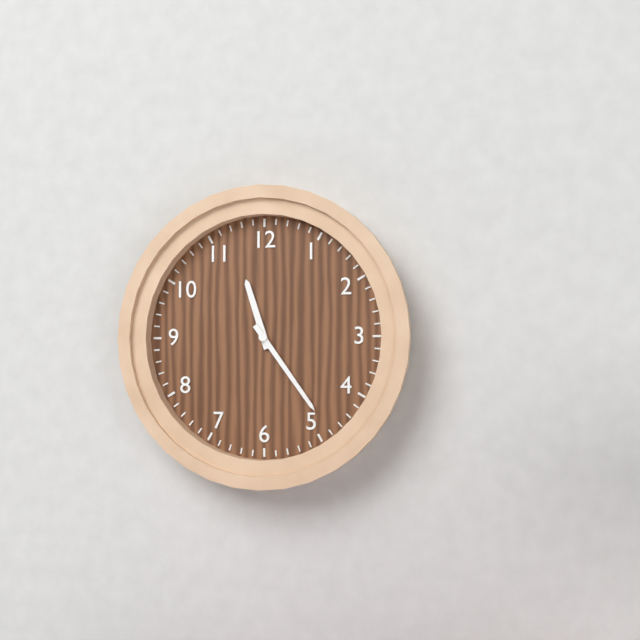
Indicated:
**11:24**
